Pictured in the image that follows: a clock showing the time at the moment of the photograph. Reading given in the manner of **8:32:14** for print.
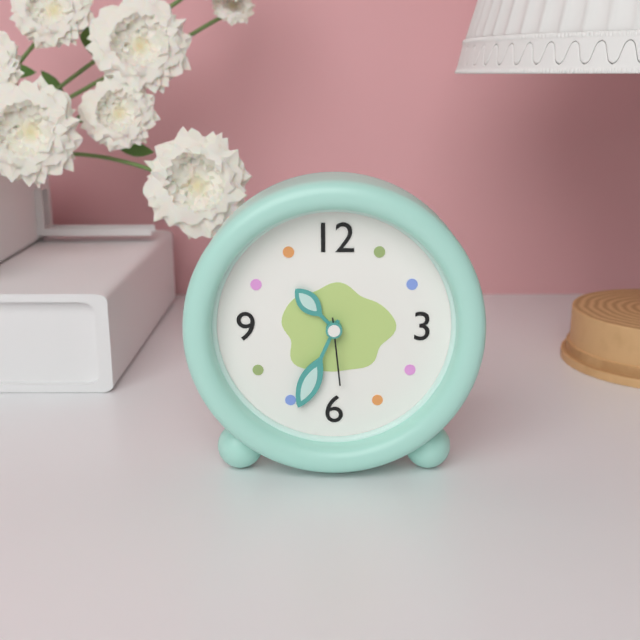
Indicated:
**10:34:29**
